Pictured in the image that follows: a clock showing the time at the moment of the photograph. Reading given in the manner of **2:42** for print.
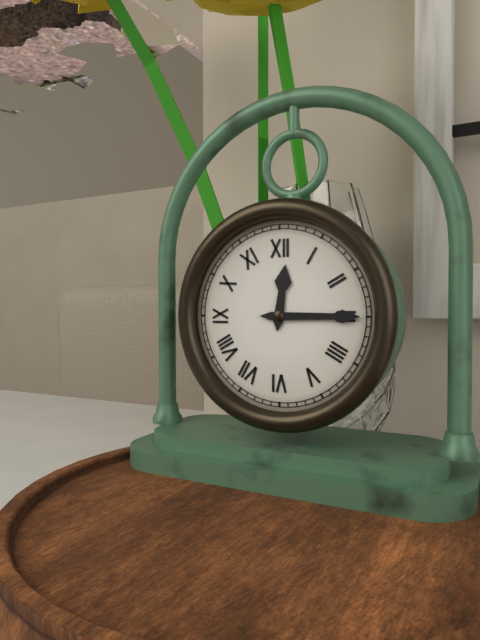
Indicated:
**12:15**
